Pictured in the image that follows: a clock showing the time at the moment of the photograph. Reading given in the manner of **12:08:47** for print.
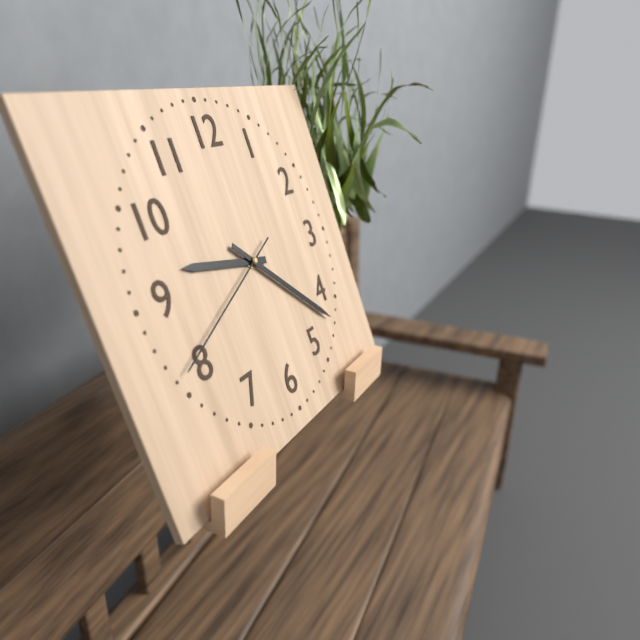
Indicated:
**9:22:41**
